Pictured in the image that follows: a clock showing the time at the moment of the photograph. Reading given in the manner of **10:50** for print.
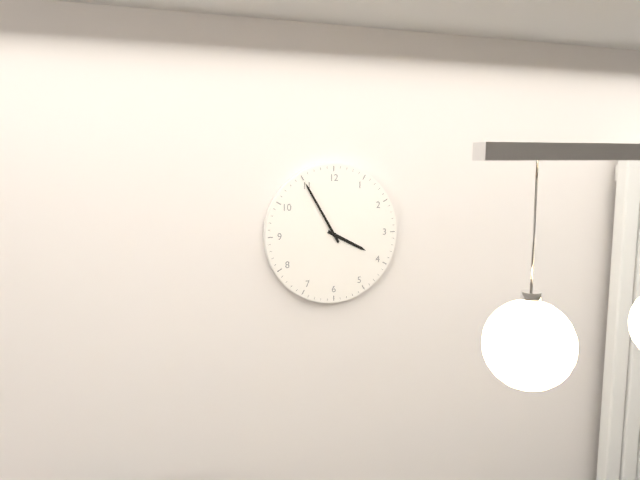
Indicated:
**3:55**
